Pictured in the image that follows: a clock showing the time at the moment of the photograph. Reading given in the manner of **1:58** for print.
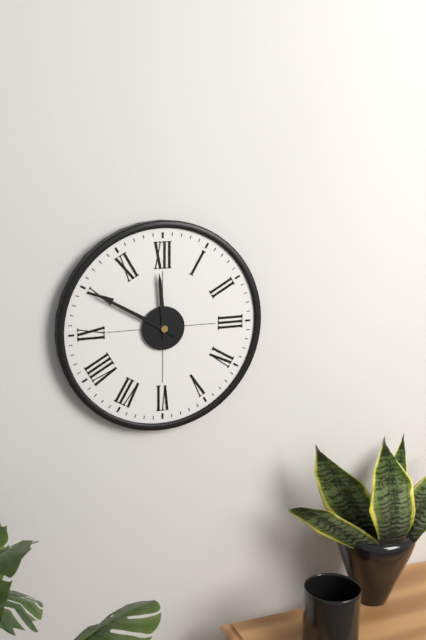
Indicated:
**11:50**
